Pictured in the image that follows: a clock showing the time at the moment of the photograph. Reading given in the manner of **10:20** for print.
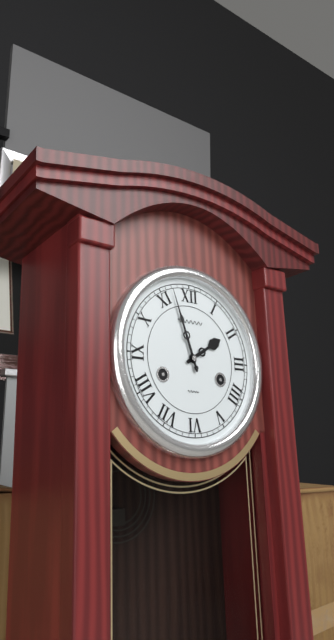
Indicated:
**1:57**
